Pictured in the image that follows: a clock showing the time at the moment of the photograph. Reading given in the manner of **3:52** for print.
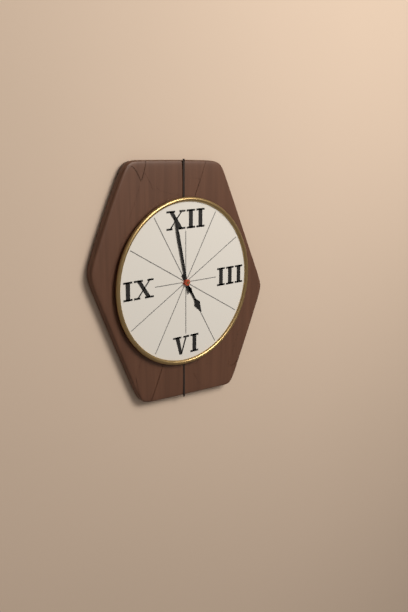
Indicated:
**4:58**
